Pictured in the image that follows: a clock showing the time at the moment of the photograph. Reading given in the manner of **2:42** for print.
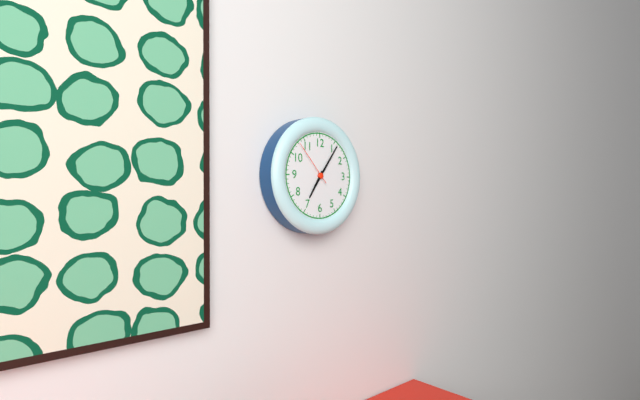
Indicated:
**7:06**
